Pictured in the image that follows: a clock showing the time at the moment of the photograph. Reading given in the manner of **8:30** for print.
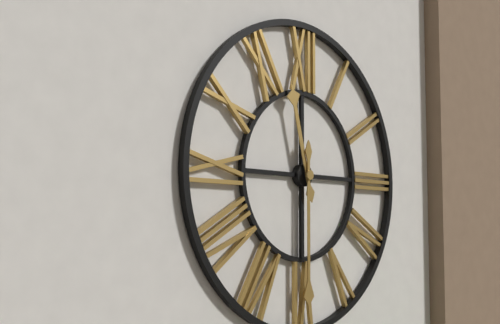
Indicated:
**11:30**
